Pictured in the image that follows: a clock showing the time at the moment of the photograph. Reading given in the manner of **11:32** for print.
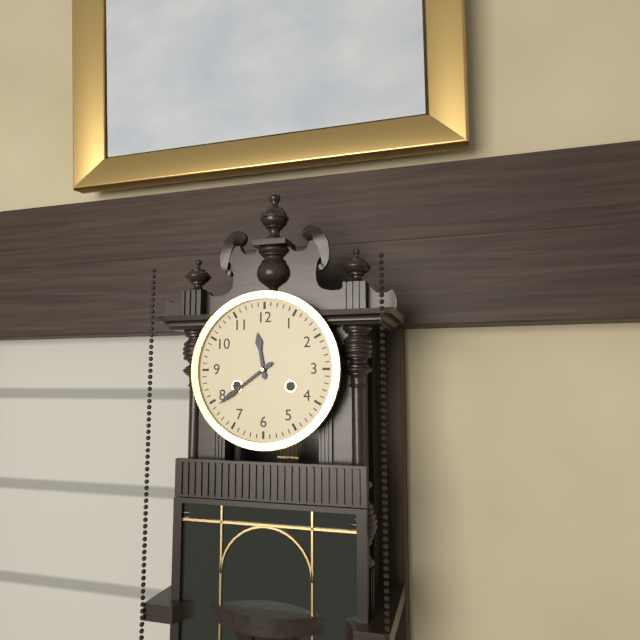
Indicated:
**11:39**
